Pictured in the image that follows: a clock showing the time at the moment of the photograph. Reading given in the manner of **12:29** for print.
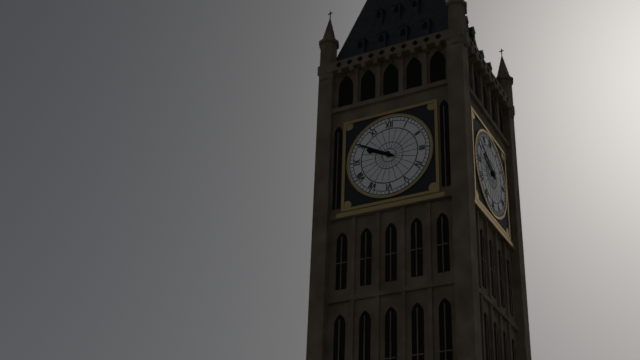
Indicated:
**9:50**
